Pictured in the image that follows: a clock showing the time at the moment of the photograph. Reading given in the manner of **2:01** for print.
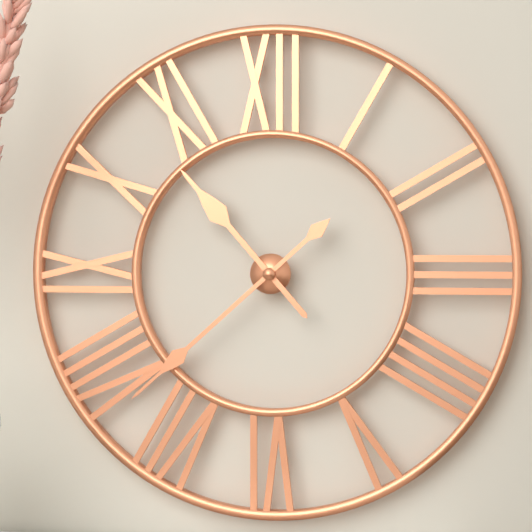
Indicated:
**10:38**
